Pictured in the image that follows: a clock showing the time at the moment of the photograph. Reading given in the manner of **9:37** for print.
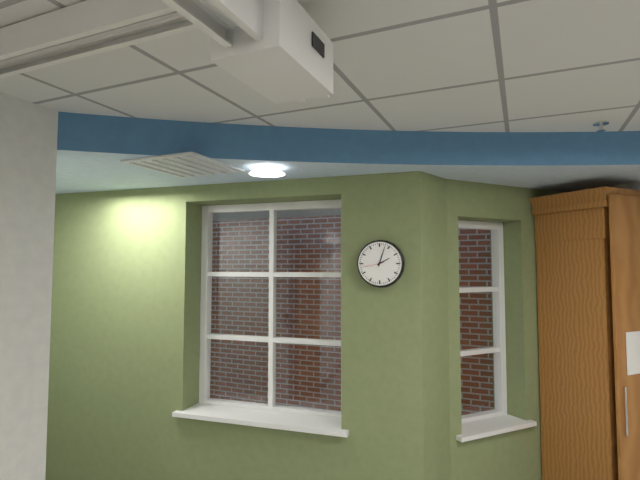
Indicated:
**2:03**
